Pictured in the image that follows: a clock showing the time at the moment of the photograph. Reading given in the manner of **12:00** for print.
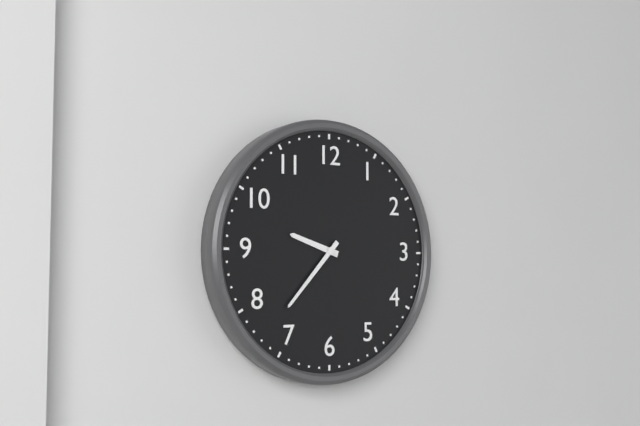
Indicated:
**9:37**
